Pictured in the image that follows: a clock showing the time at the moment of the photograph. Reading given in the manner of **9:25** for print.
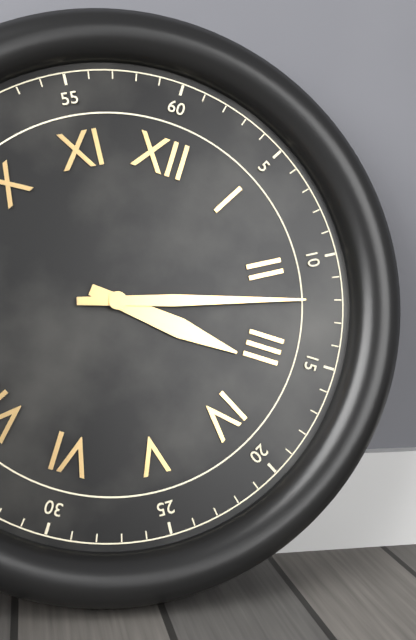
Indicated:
**3:12**
